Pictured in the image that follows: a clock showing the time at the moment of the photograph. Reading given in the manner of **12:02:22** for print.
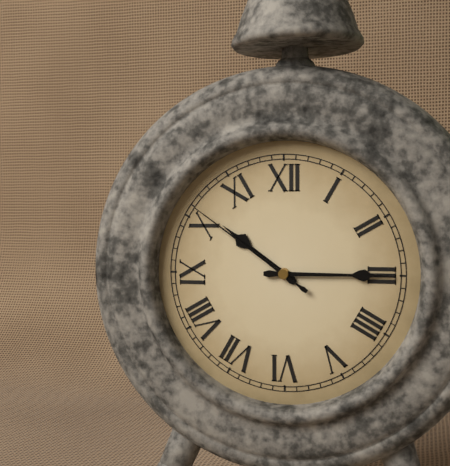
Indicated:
**10:15:51**
